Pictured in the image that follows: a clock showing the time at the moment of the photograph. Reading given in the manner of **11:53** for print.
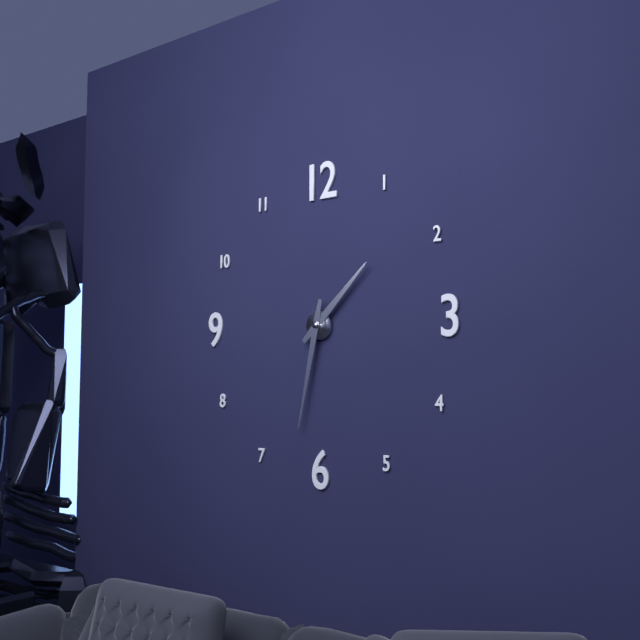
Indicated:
**1:32**
